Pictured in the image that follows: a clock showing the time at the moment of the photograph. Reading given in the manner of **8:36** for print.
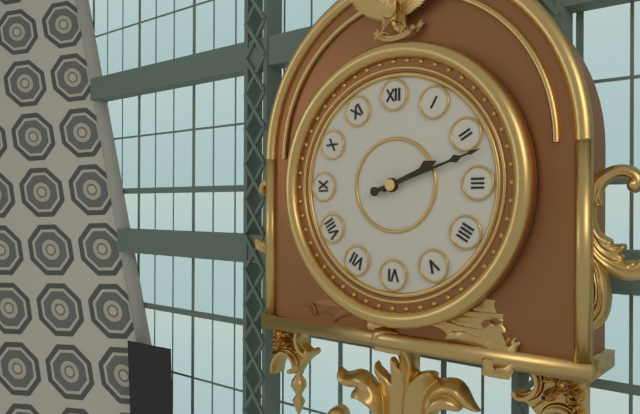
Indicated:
**2:12**
